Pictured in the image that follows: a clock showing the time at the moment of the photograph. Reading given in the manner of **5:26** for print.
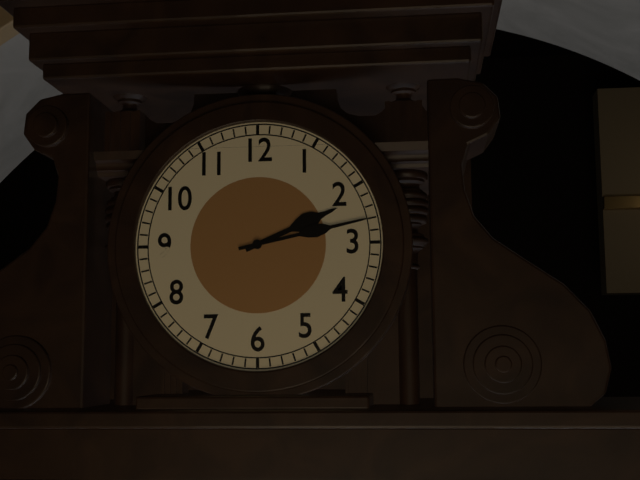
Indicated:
**2:13**
